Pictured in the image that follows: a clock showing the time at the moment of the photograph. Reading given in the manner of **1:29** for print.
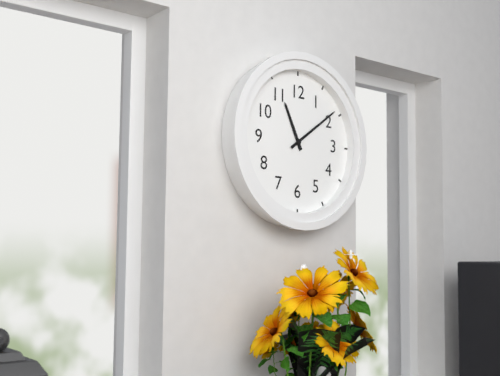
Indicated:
**11:09**
